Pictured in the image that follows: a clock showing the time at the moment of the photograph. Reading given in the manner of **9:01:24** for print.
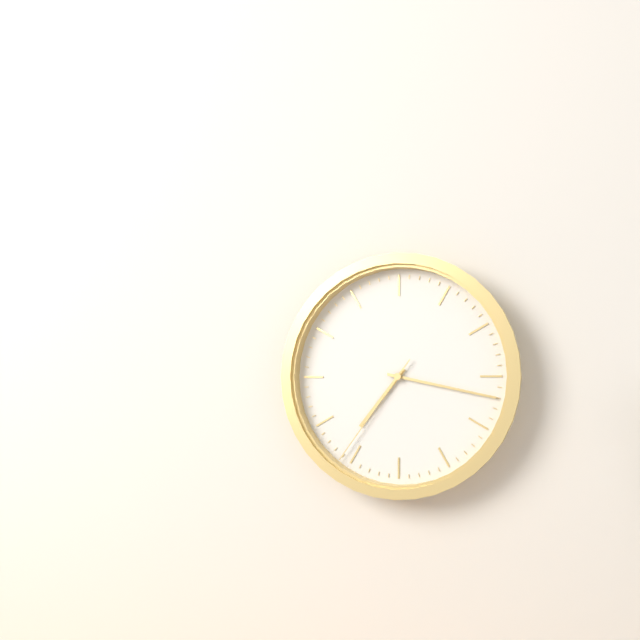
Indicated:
**7:17:36**
